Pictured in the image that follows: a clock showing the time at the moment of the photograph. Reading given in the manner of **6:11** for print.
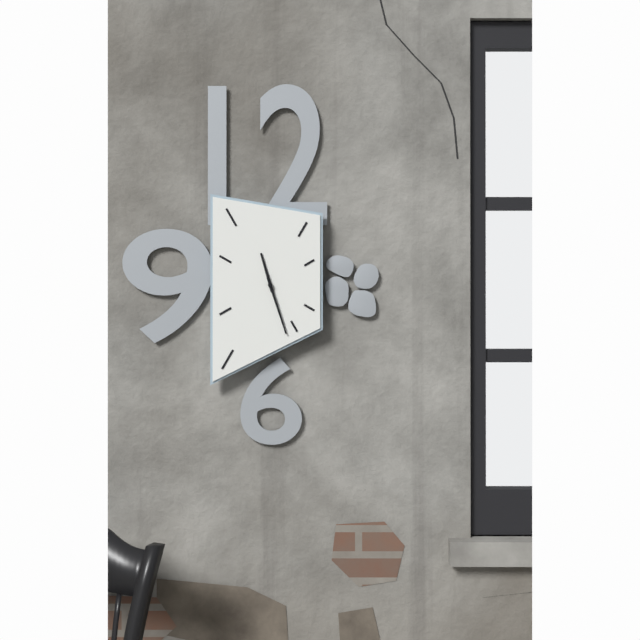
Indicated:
**11:27**
